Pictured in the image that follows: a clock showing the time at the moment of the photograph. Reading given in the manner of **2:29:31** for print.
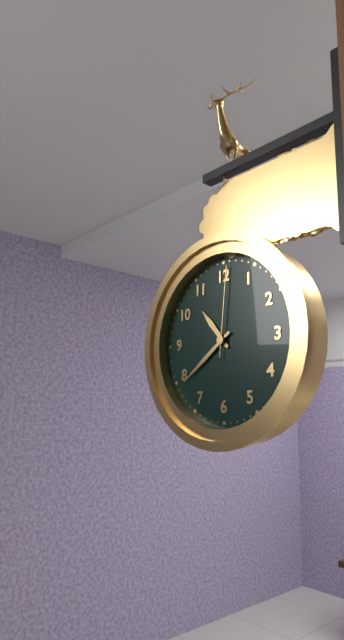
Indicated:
**10:39:01**
